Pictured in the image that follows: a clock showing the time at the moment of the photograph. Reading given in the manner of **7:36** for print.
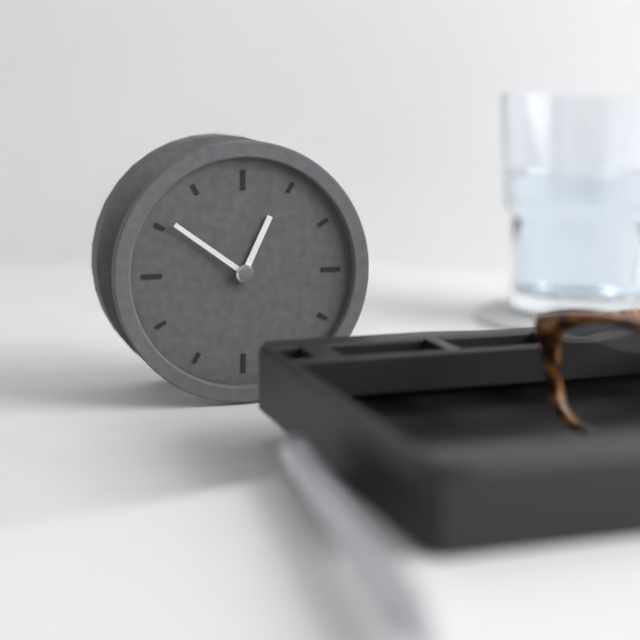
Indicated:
**12:51**
